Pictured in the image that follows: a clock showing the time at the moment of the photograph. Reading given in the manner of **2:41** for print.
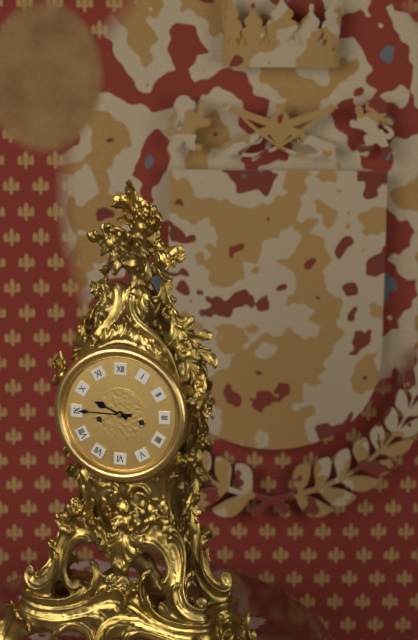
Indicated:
**9:45**
